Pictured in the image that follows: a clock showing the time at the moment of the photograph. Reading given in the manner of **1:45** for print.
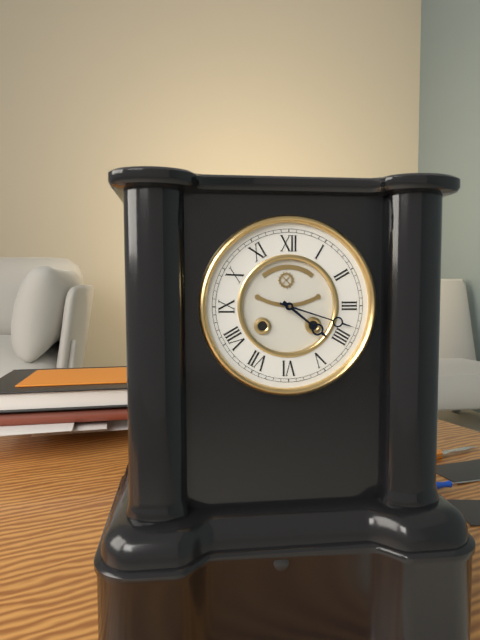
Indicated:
**4:18**
